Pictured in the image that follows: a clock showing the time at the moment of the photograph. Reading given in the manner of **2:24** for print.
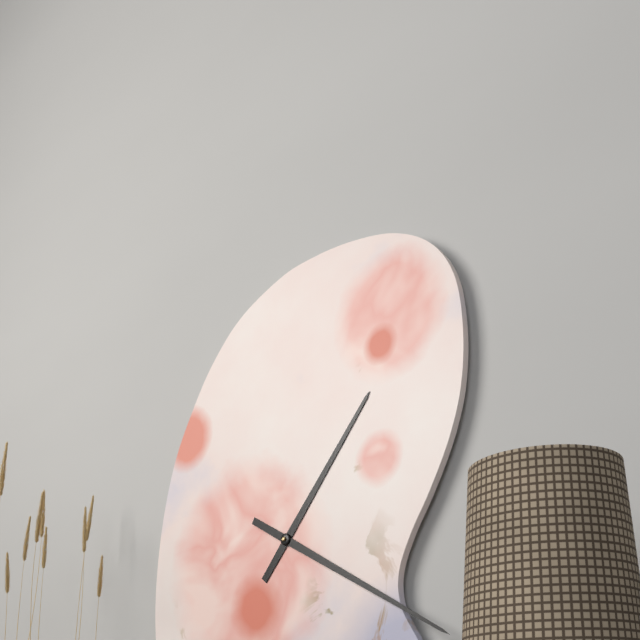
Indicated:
**1:20**
